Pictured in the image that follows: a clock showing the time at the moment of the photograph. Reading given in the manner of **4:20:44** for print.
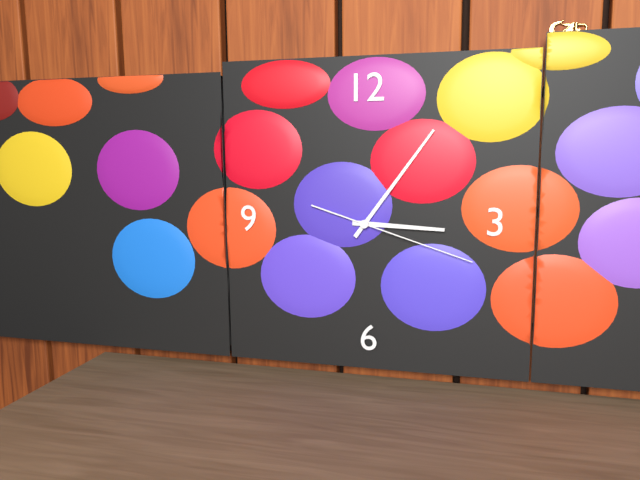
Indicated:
**3:06:18**
